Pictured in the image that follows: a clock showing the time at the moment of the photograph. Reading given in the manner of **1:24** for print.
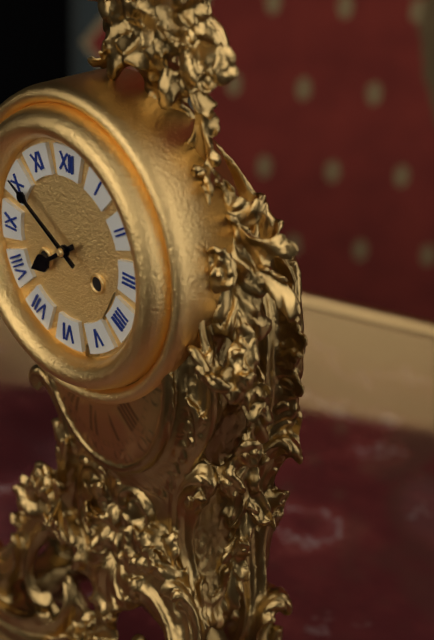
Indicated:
**7:50**
